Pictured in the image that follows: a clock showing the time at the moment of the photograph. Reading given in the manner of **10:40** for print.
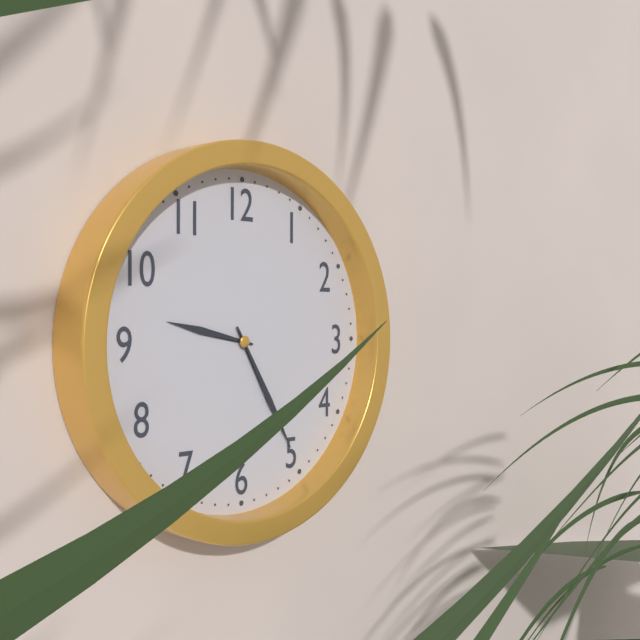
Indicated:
**9:25**
